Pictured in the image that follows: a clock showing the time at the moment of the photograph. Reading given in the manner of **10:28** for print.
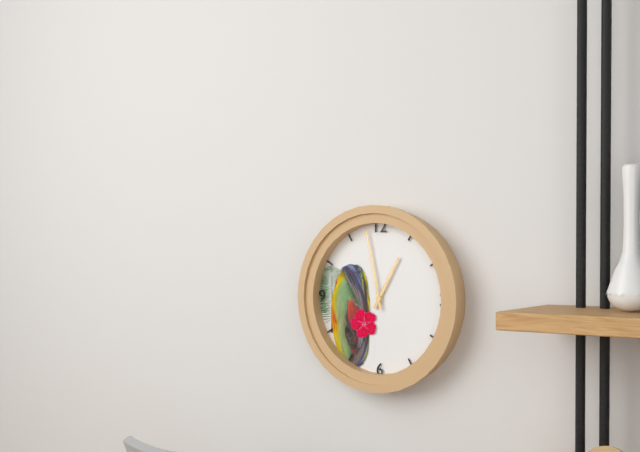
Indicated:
**12:58**
